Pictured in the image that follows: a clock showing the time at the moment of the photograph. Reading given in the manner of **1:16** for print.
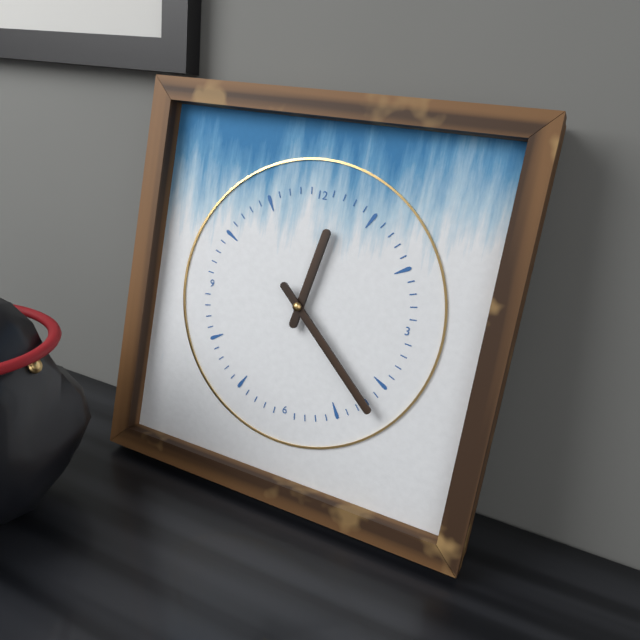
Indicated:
**12:22**
